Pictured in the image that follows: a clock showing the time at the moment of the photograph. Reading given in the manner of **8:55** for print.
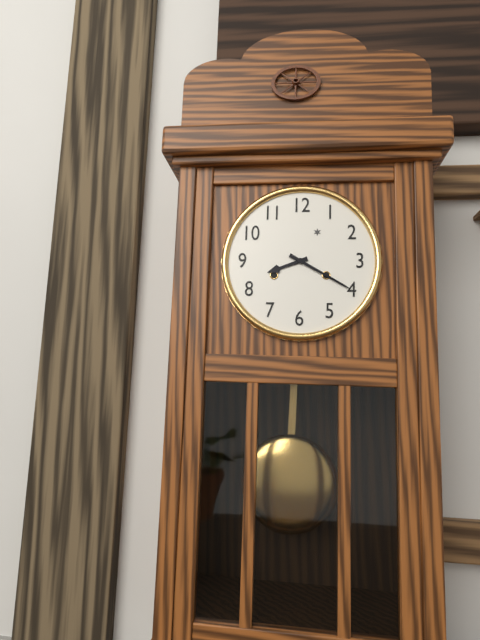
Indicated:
**8:20**
